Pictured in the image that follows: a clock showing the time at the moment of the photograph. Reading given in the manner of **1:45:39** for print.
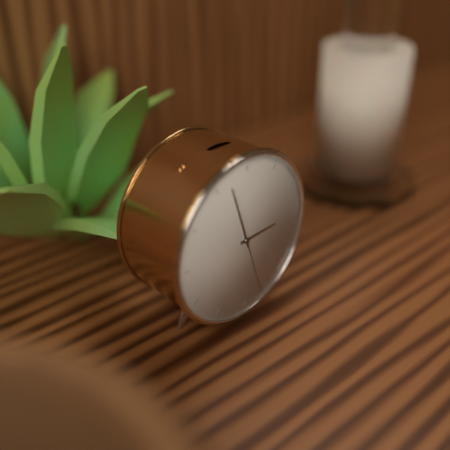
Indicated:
**2:57:27**
